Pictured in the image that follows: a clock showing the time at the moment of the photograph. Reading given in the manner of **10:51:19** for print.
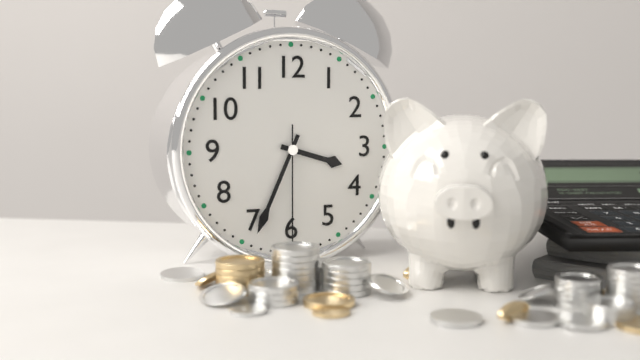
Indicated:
**3:34:30**
